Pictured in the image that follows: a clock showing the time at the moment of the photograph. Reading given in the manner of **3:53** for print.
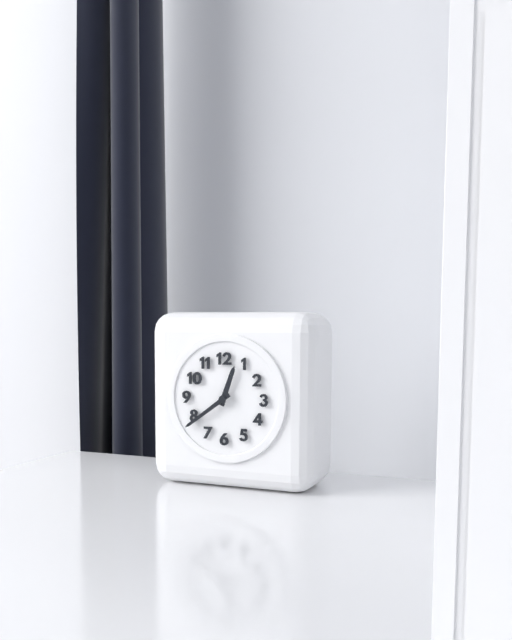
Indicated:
**12:39**
